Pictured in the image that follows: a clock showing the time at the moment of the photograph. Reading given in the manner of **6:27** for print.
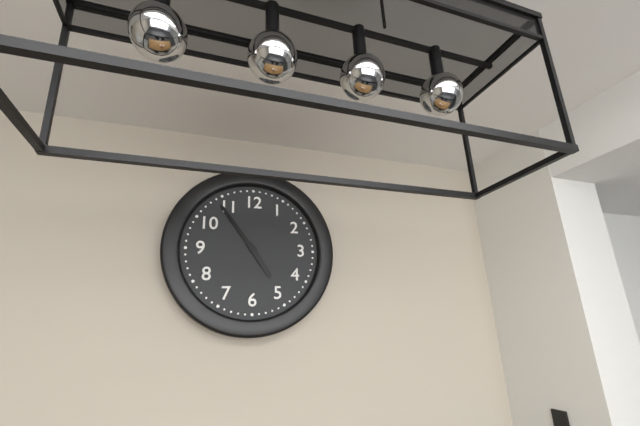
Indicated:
**4:54**
